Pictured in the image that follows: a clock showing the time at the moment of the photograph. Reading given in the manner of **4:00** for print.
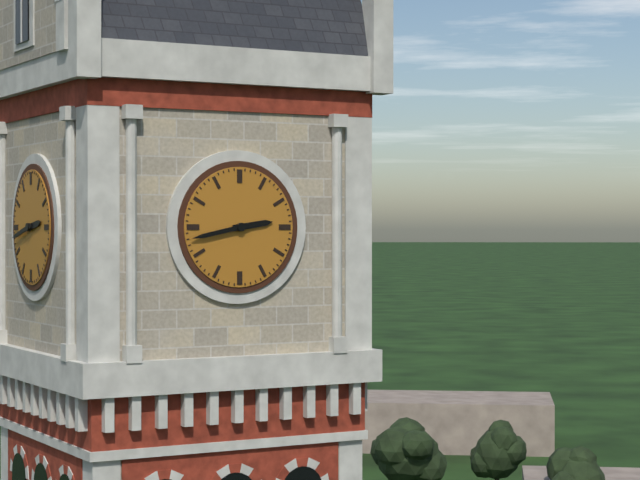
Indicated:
**2:43**
